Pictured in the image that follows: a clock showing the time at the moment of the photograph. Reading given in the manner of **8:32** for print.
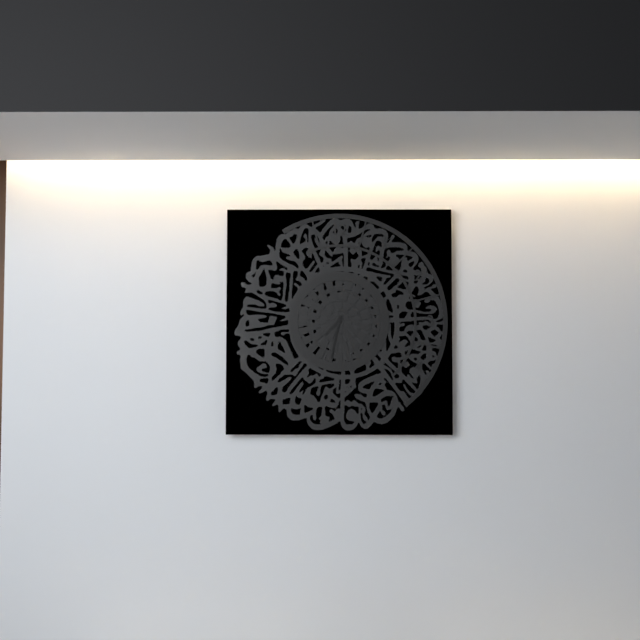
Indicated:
**7:32**
